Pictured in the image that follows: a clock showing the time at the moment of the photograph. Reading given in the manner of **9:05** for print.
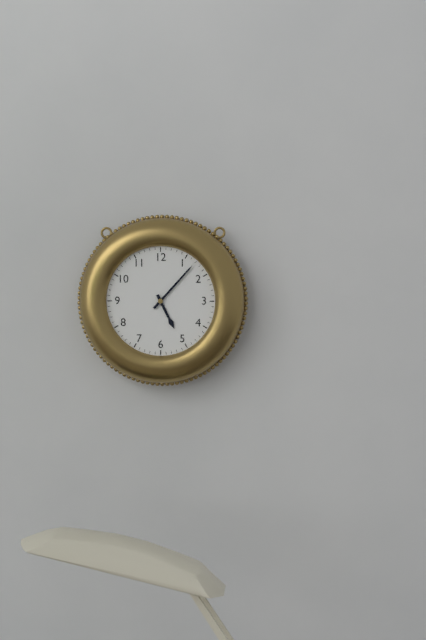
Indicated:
**5:07**
